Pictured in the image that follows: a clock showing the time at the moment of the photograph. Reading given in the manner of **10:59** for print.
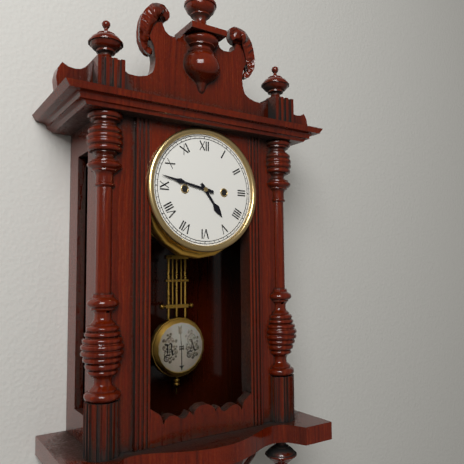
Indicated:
**4:47**
